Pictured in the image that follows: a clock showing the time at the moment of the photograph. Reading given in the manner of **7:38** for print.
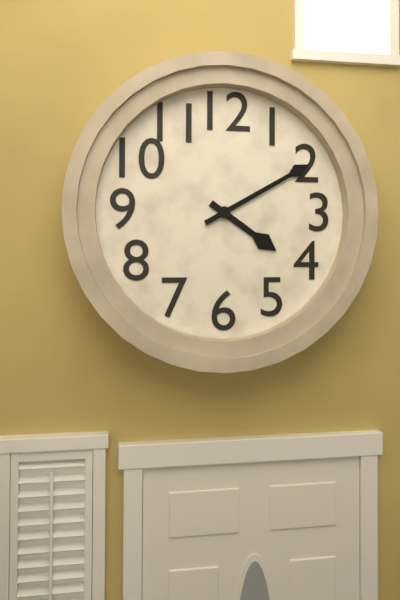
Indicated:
**4:10**
